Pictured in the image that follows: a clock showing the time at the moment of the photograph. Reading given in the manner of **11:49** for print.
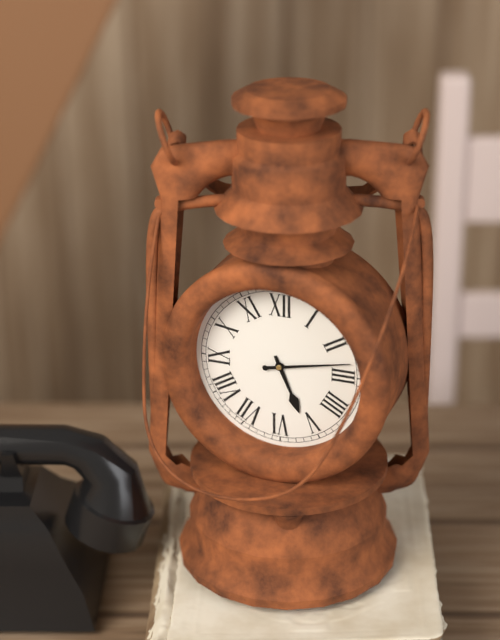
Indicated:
**5:13**
